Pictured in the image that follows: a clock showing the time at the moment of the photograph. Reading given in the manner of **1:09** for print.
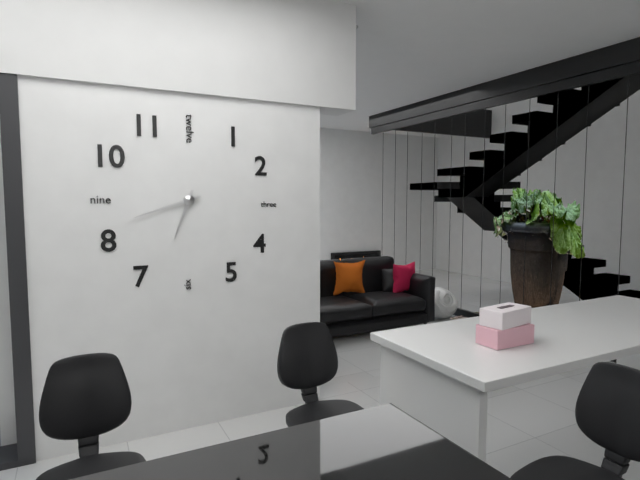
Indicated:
**6:42**
